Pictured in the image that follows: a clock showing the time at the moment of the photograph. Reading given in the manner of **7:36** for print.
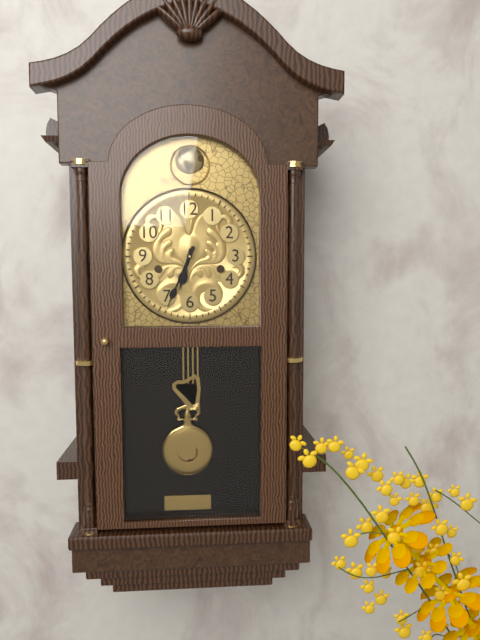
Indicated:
**6:34**
